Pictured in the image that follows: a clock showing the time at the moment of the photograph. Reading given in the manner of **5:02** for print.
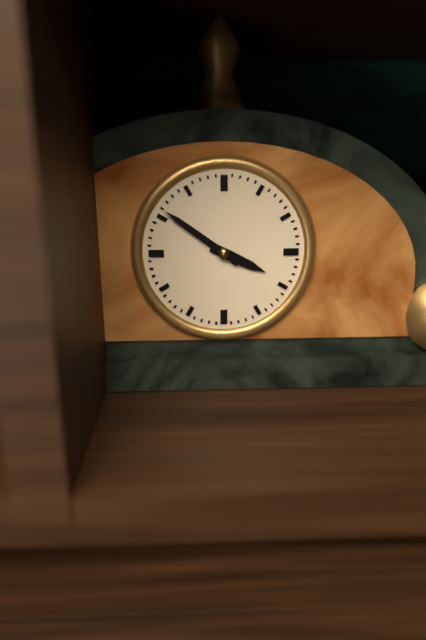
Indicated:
**3:51**
